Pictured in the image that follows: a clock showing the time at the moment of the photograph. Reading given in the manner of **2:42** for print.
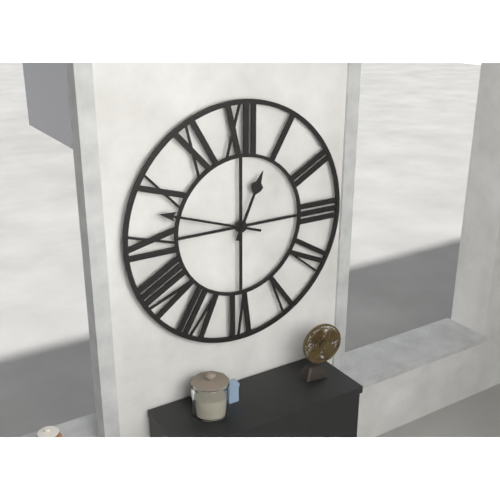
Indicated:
**12:48**
